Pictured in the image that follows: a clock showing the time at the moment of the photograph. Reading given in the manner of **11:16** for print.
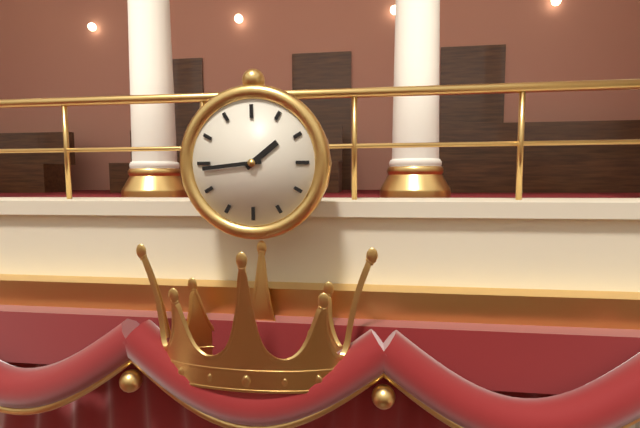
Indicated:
**1:44**
